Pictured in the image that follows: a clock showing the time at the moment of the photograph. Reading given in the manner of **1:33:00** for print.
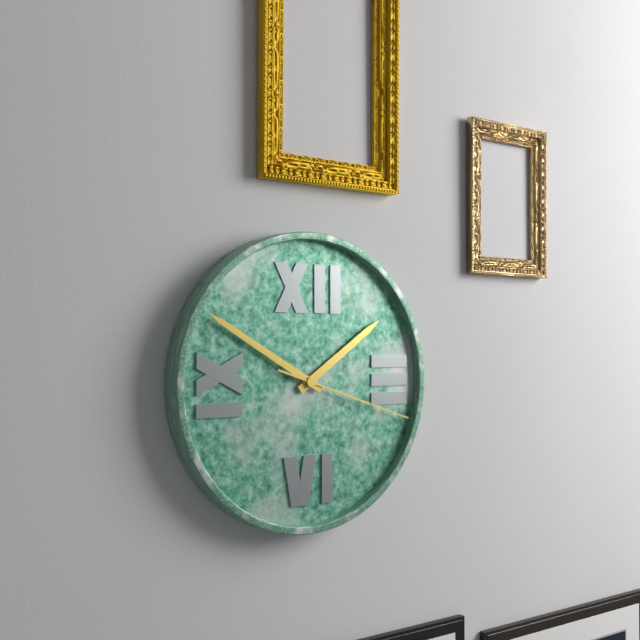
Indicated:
**1:50:18**
